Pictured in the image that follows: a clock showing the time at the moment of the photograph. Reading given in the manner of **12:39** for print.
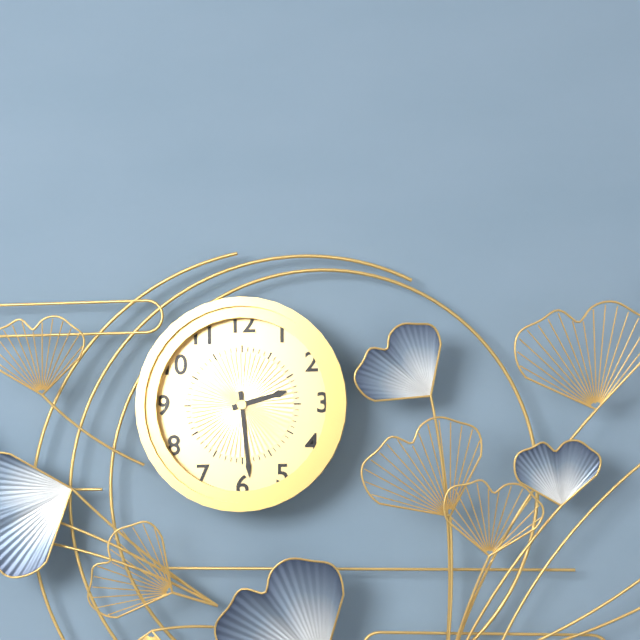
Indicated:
**2:29**
